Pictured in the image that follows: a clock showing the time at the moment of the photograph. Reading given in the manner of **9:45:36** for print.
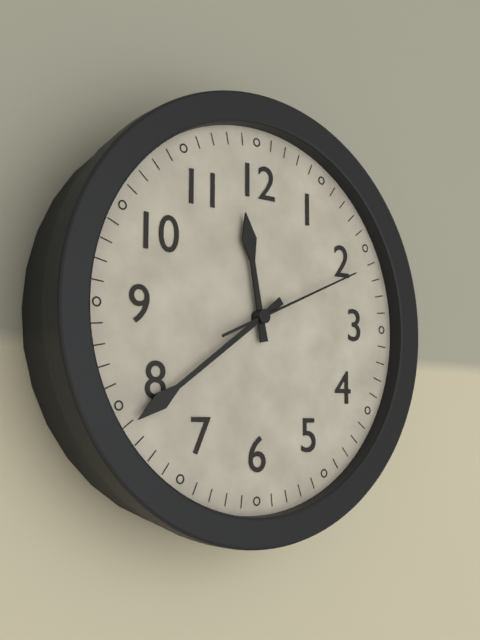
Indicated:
**11:39:11**
